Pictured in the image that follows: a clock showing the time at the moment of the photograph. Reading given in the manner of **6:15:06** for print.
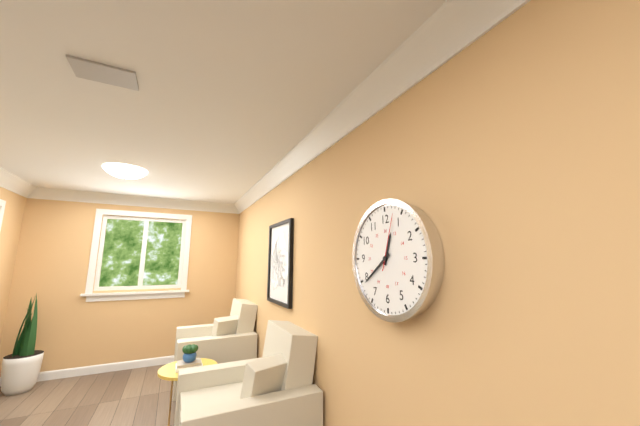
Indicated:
**12:39:03**
